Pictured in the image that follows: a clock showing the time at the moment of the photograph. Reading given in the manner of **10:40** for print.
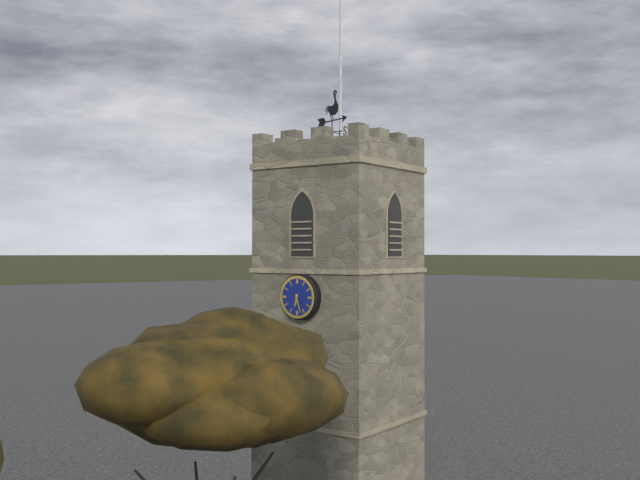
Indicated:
**6:27**
